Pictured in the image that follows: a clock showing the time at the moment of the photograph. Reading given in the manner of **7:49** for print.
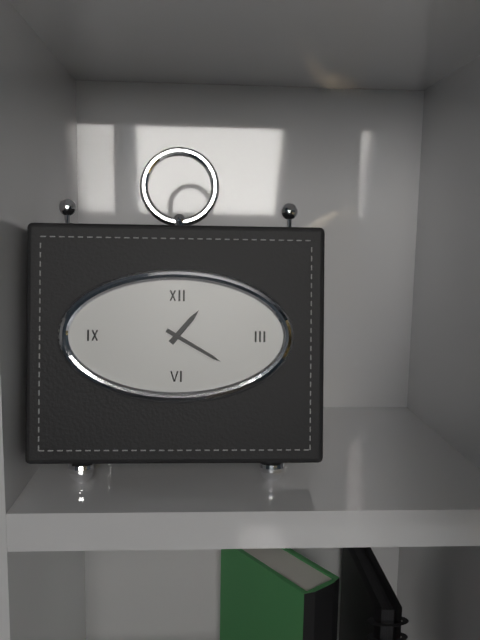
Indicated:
**1:20**
